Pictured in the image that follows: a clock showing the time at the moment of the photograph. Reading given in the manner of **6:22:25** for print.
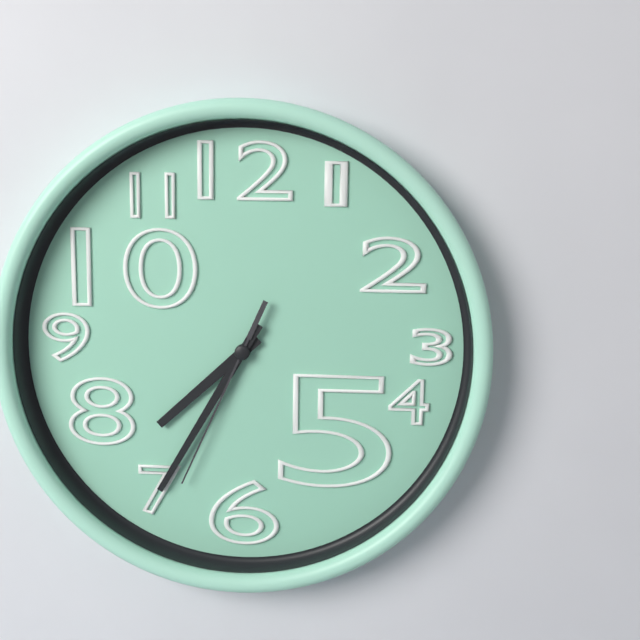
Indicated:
**7:35:34**
